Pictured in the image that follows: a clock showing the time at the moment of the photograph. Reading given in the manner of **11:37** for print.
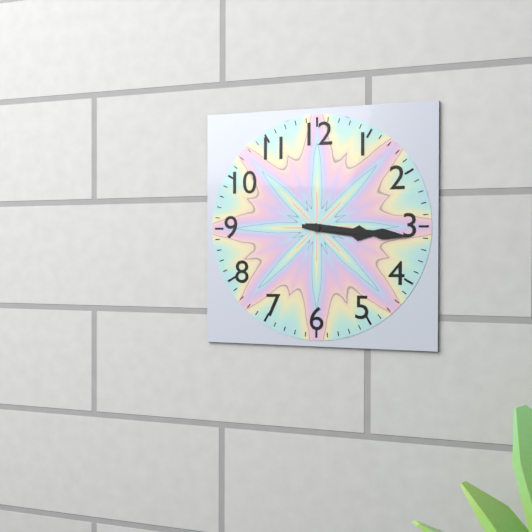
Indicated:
**3:16**
